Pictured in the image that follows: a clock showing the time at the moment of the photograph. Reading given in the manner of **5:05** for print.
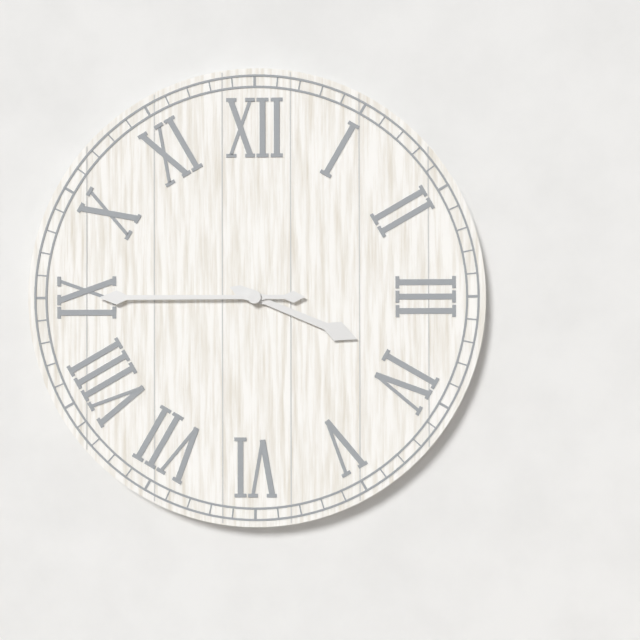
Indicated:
**3:45**
